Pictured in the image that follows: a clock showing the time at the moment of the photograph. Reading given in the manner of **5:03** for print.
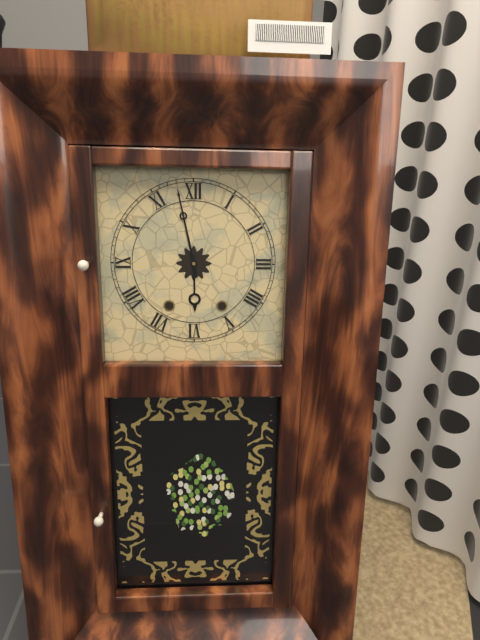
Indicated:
**5:58**
